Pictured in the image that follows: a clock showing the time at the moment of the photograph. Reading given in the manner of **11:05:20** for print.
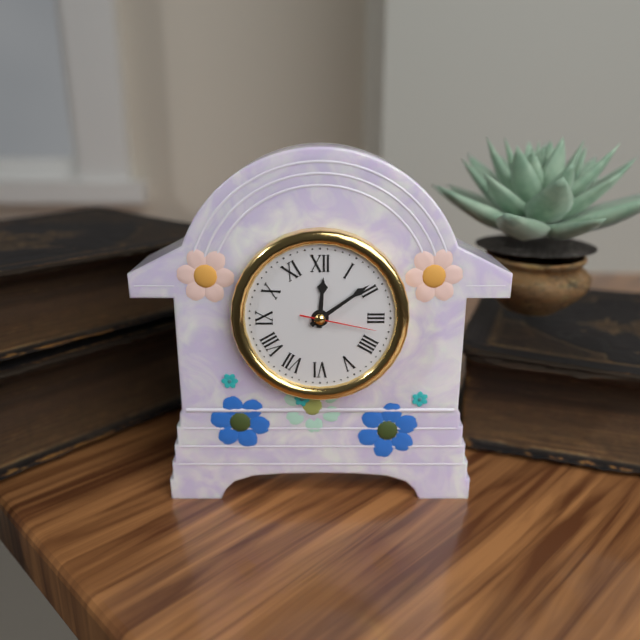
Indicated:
**12:09:17**
